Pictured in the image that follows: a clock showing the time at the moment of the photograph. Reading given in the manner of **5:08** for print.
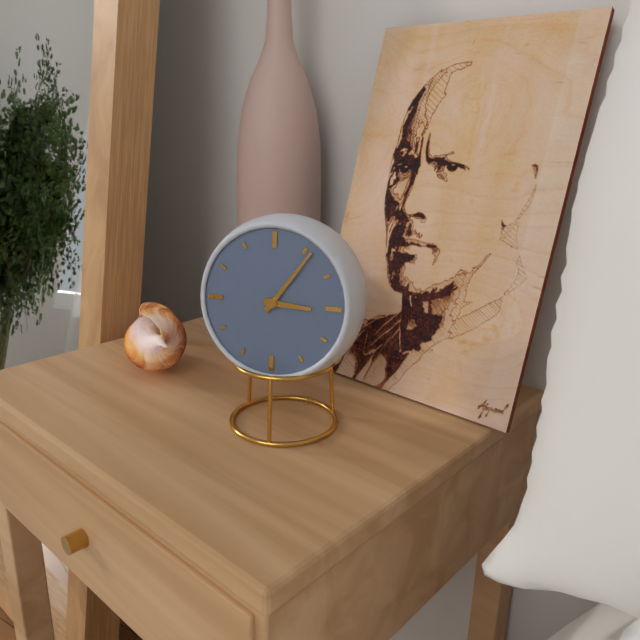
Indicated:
**3:06**
